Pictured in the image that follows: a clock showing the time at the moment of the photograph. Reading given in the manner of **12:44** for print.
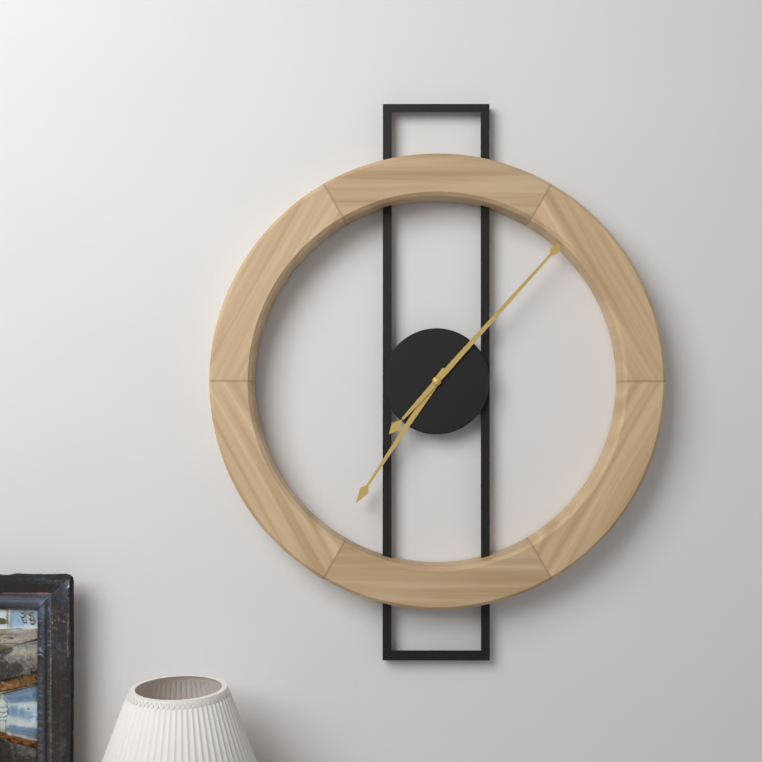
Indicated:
**7:07**
